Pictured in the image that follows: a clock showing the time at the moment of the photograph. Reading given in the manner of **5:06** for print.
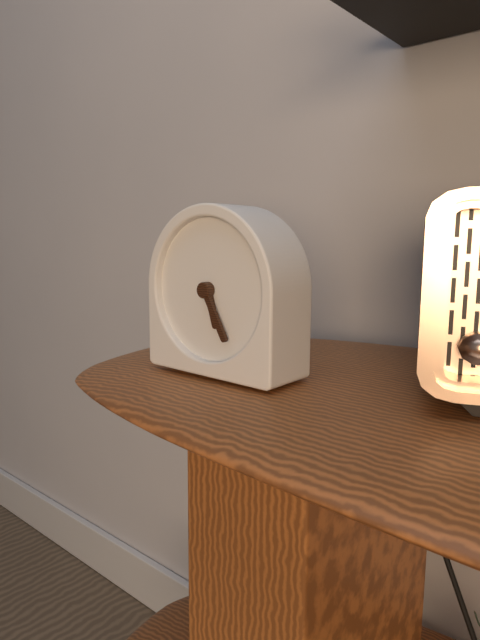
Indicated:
**5:25**
